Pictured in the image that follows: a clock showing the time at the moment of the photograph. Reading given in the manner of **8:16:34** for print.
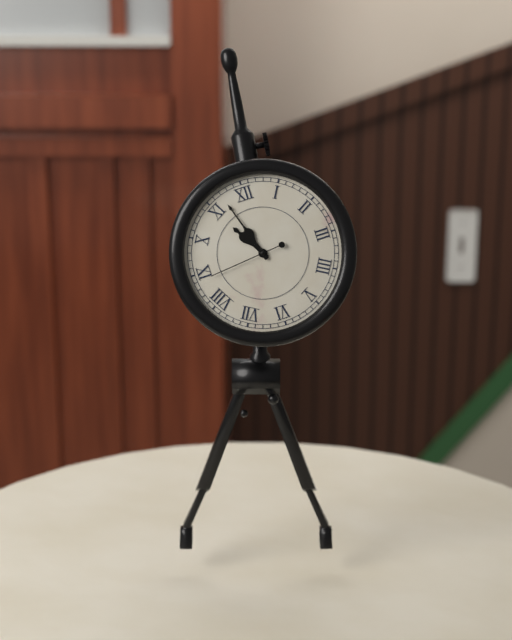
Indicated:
**10:57:44**
